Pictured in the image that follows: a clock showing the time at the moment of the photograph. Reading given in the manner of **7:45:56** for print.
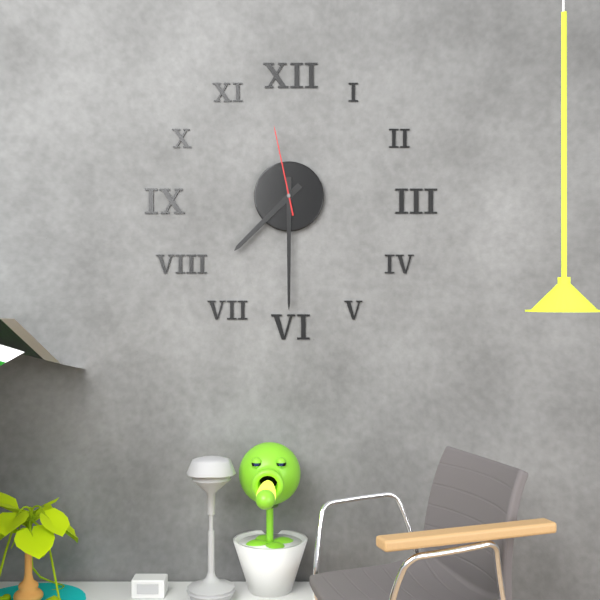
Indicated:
**7:30:58**
